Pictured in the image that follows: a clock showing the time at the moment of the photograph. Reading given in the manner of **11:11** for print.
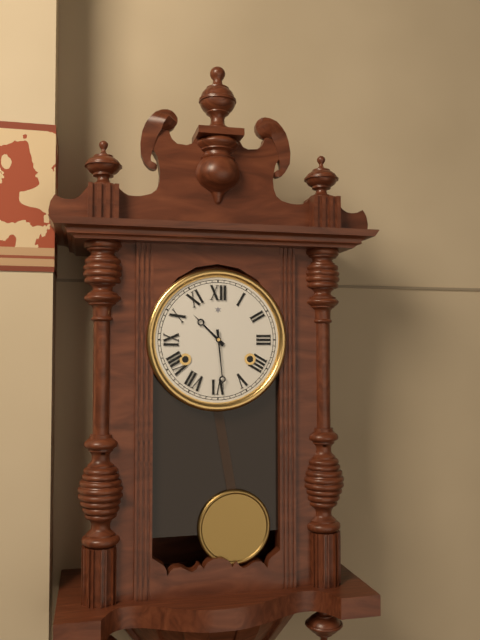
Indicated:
**10:29**
